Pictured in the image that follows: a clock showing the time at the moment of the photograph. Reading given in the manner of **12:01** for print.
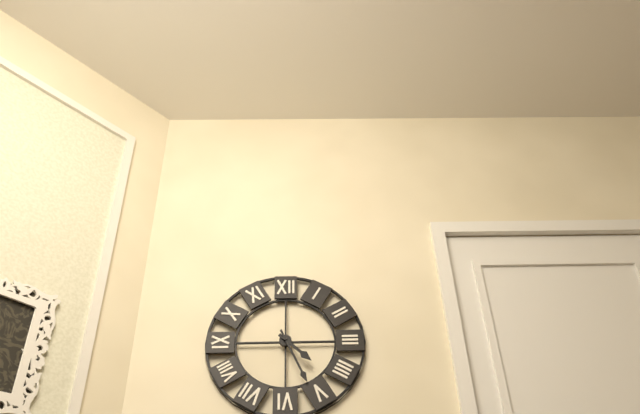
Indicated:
**4:26**
